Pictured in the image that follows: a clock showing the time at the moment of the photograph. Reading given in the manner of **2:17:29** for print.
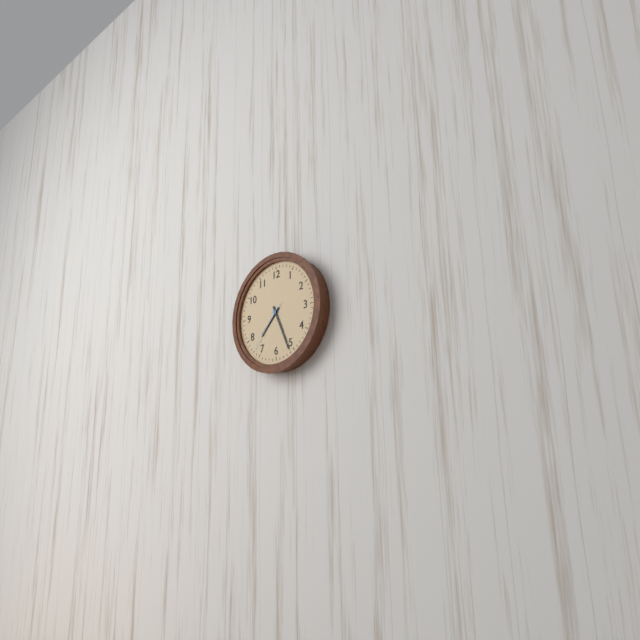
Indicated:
**7:26:37**
